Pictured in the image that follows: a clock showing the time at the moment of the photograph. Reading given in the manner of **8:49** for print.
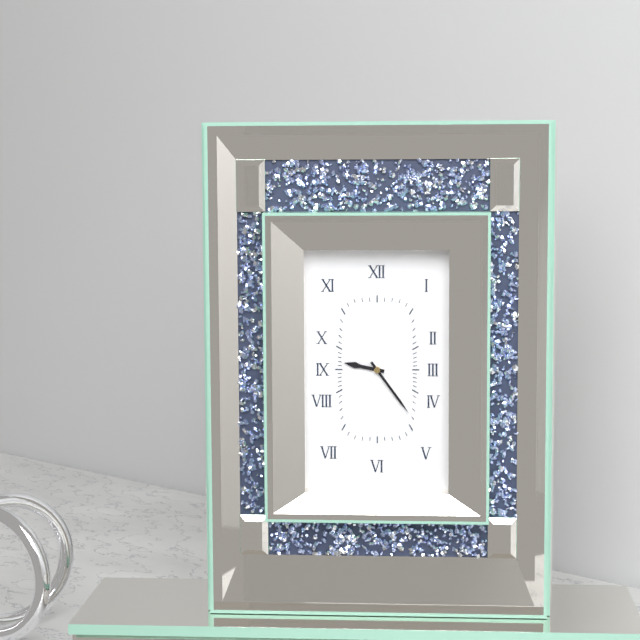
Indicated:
**9:24**
